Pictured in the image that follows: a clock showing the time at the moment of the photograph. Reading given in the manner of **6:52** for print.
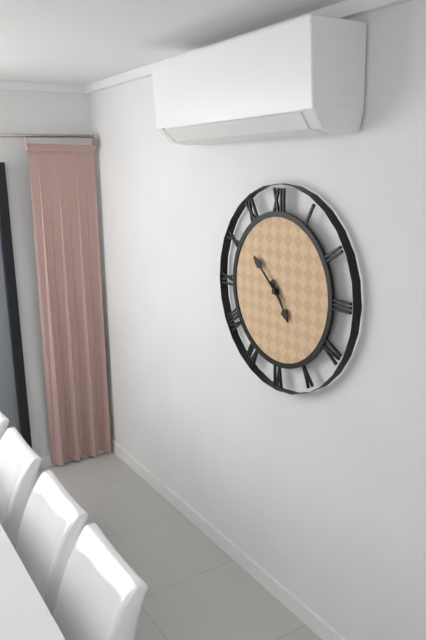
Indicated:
**4:52**
